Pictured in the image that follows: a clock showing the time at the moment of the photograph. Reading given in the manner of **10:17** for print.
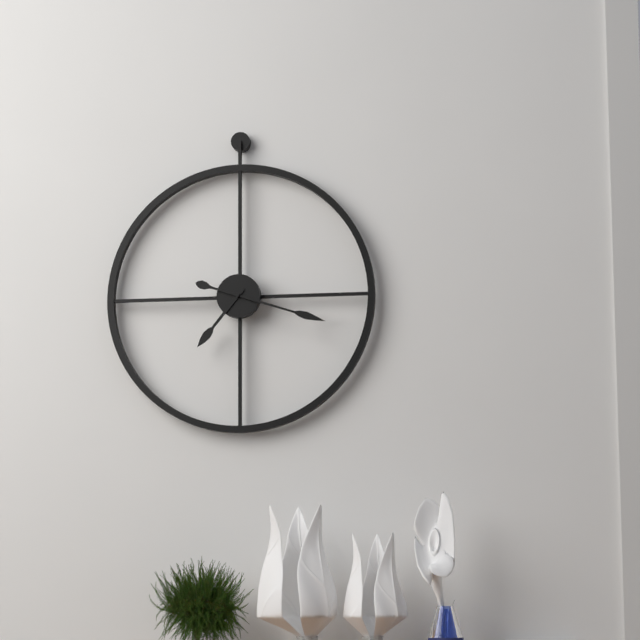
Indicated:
**7:18**
